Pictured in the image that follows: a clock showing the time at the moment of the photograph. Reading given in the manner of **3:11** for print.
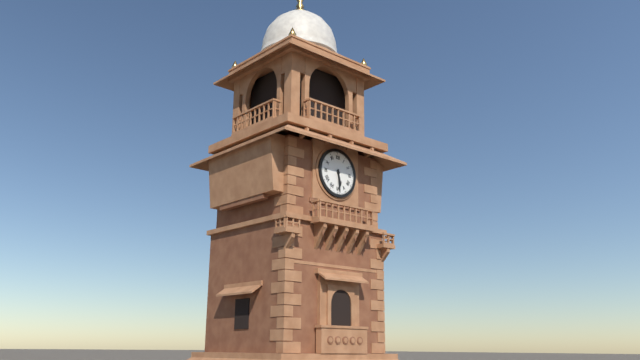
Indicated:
**5:29**
